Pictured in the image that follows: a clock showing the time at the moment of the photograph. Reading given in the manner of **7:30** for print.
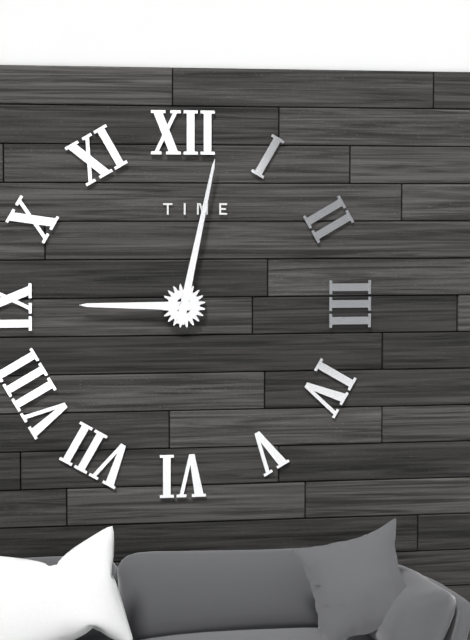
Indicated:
**9:02**
